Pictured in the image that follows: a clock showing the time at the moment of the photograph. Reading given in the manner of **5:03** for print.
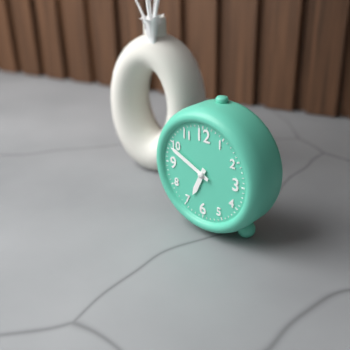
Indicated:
**6:49**
